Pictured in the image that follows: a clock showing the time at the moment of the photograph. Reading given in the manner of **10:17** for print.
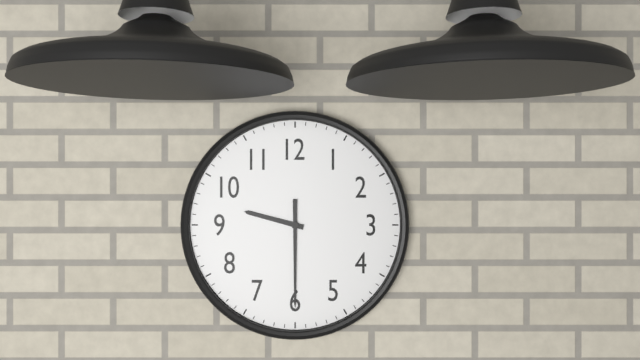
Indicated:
**9:30**
